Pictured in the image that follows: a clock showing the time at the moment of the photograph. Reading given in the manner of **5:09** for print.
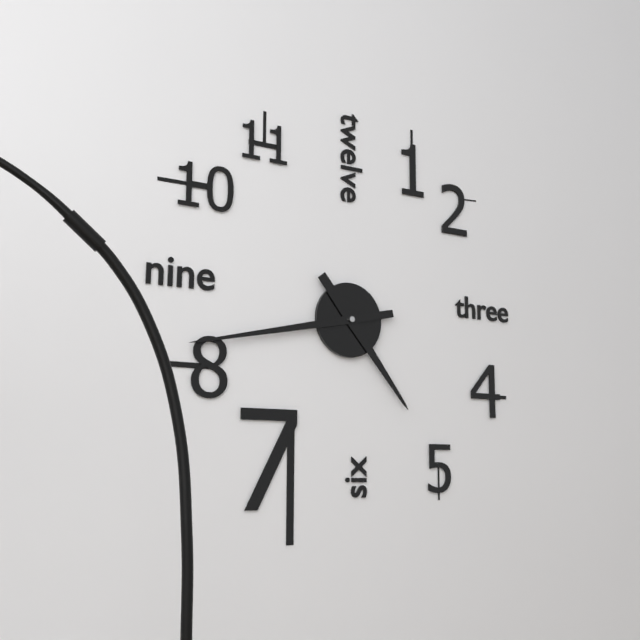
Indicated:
**4:43**
